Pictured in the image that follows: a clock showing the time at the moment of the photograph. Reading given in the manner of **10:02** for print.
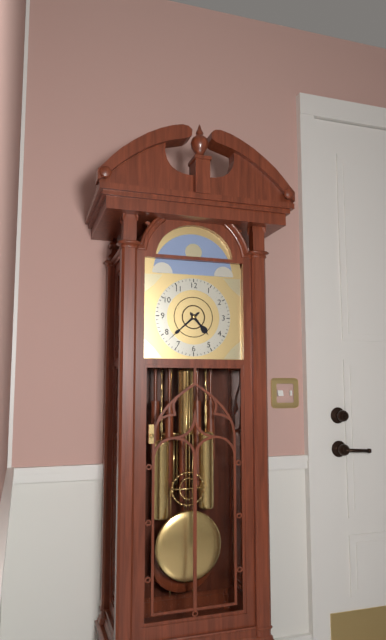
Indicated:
**4:38**
